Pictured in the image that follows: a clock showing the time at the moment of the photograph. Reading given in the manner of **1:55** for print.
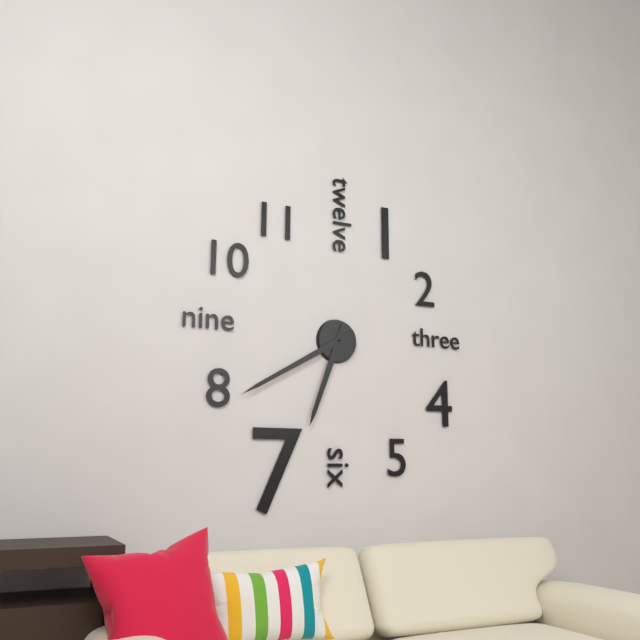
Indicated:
**6:40**
